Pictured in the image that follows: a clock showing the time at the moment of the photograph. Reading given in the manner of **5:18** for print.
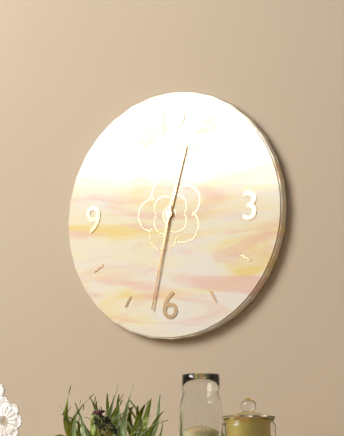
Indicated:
**12:32**
